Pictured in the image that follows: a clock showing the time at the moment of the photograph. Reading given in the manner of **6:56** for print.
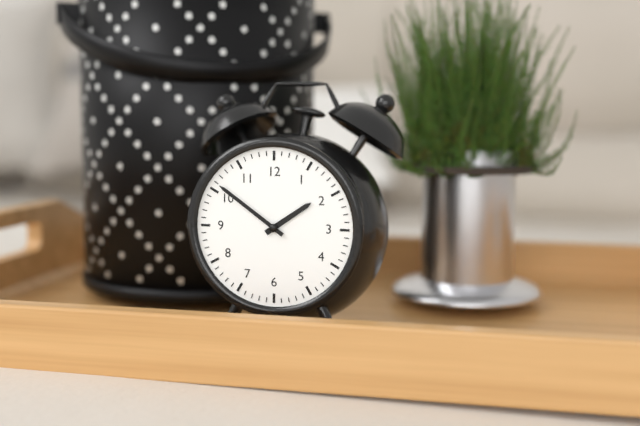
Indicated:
**1:51**
